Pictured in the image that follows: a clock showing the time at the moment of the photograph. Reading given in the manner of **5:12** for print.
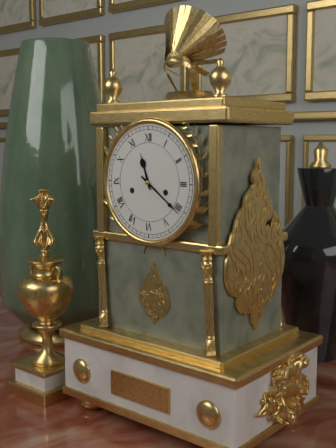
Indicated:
**11:21**
